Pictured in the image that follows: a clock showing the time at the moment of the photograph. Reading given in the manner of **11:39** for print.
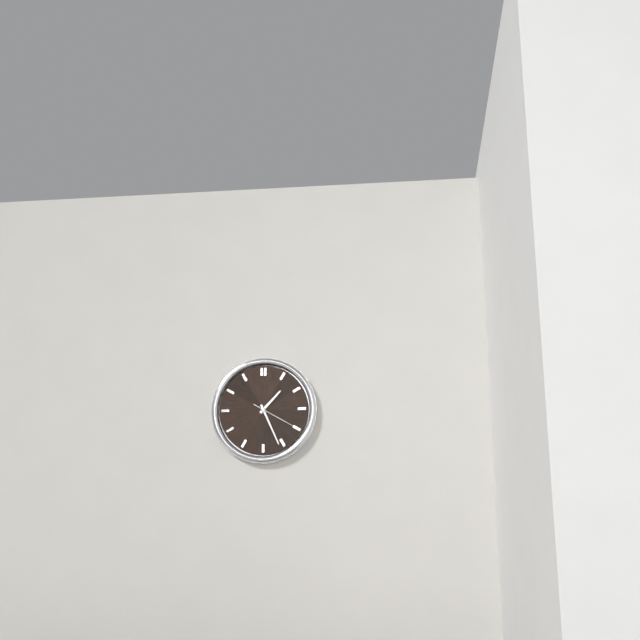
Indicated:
**1:26**
